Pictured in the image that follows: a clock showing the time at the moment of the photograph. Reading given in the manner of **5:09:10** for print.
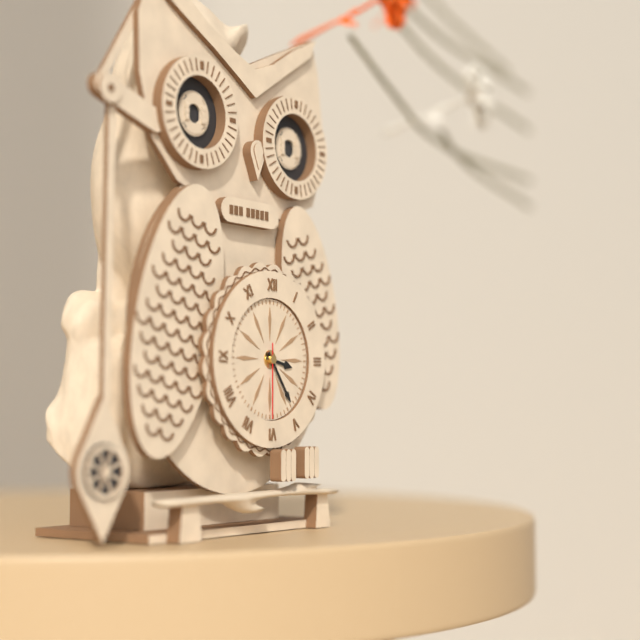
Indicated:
**3:24:30**
